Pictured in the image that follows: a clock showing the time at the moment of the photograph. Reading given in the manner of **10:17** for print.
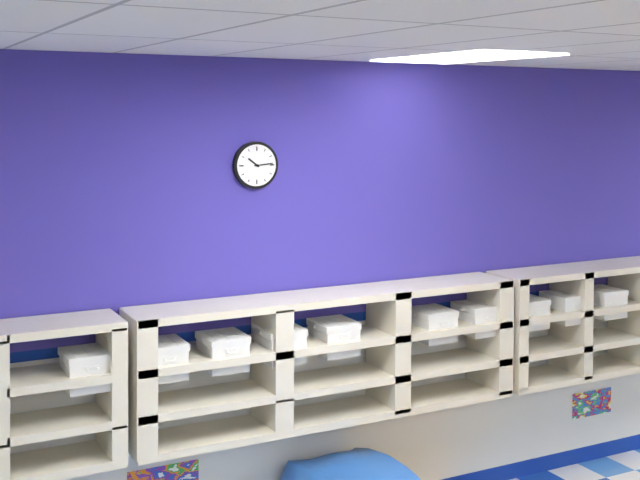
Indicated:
**10:14**
